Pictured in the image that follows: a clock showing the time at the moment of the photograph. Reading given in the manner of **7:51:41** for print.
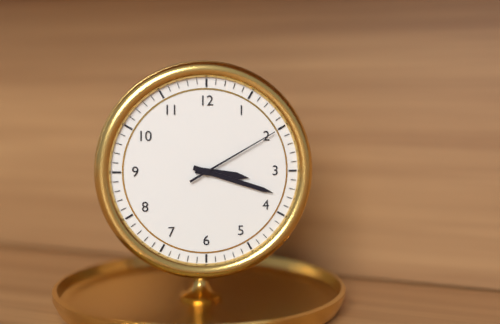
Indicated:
**3:18:10**
